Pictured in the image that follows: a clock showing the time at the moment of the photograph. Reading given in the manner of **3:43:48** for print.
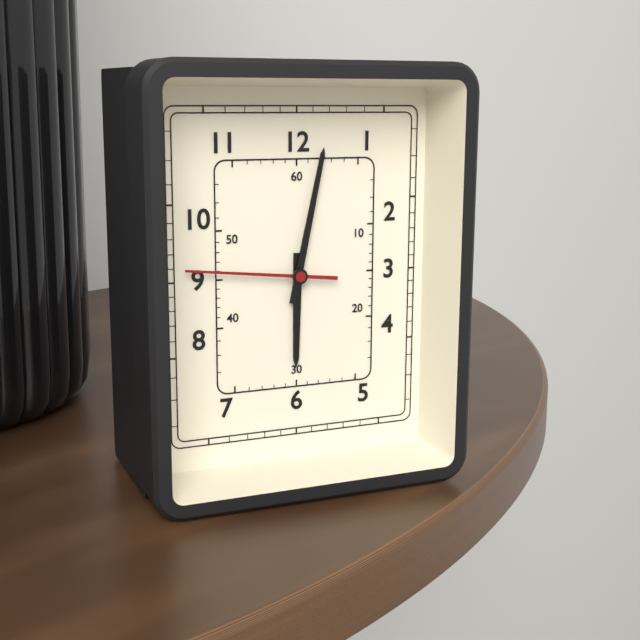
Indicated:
**6:02:46**
